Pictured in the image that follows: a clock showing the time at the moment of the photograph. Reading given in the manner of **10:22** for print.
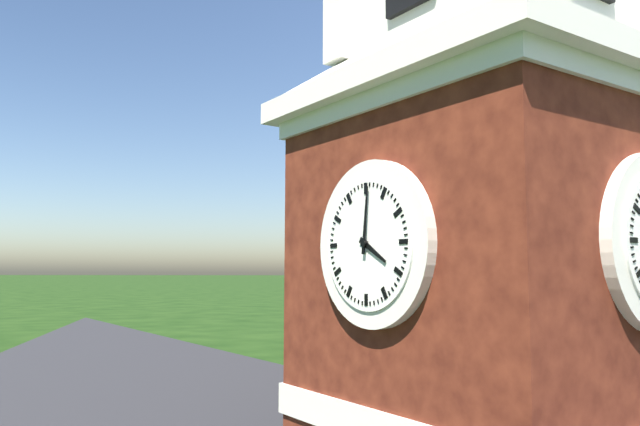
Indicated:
**4:01**
